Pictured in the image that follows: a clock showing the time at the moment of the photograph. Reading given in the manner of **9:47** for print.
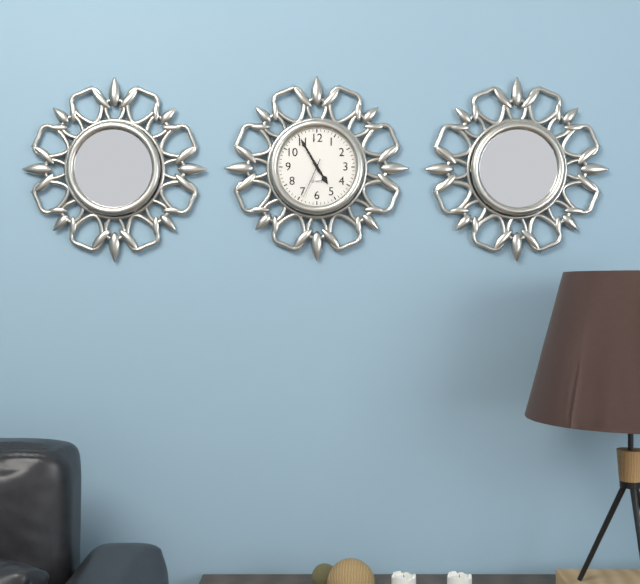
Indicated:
**4:55**
